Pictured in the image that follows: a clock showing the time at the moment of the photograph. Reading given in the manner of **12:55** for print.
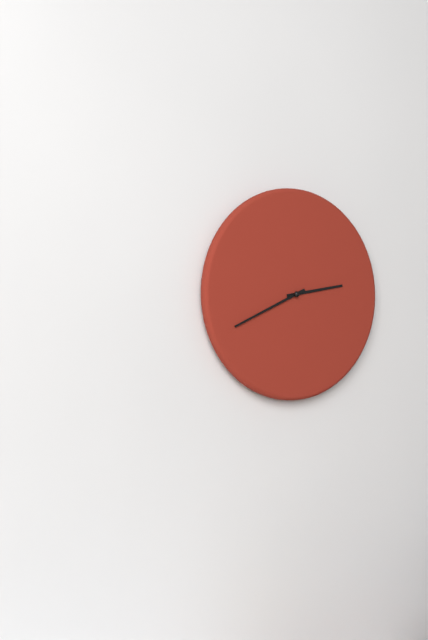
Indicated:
**2:41**
